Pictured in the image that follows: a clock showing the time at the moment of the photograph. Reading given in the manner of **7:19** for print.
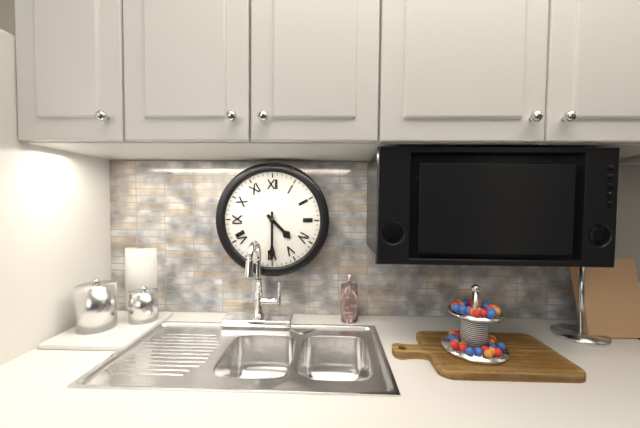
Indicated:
**4:30**
